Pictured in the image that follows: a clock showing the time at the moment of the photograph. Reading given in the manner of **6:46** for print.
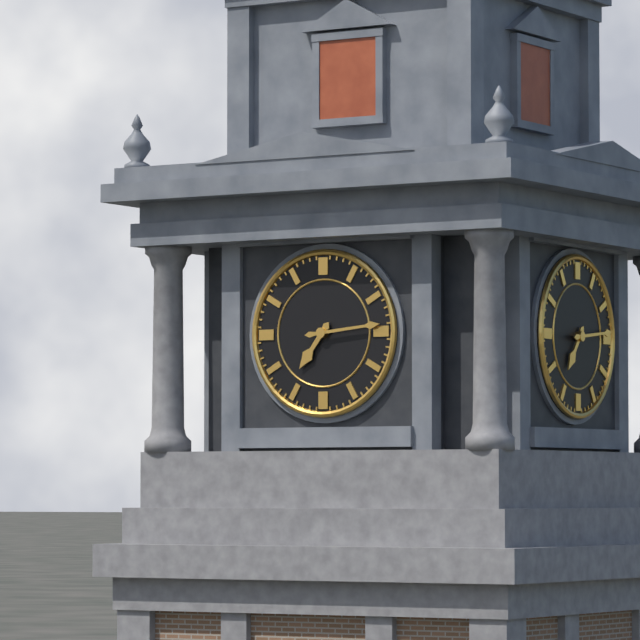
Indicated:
**7:14**
